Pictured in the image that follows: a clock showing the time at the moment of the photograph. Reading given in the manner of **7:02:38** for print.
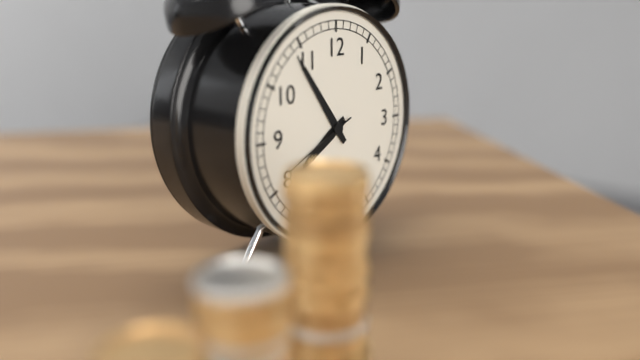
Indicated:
**7:54:41**
